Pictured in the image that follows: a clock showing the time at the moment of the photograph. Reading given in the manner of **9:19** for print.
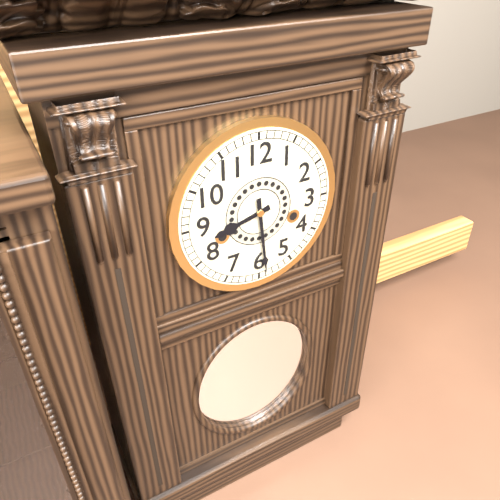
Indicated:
**8:29**
